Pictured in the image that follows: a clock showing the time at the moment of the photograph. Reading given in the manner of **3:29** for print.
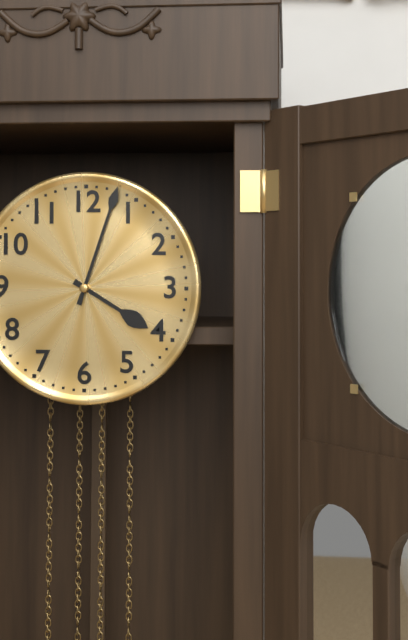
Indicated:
**4:03**
